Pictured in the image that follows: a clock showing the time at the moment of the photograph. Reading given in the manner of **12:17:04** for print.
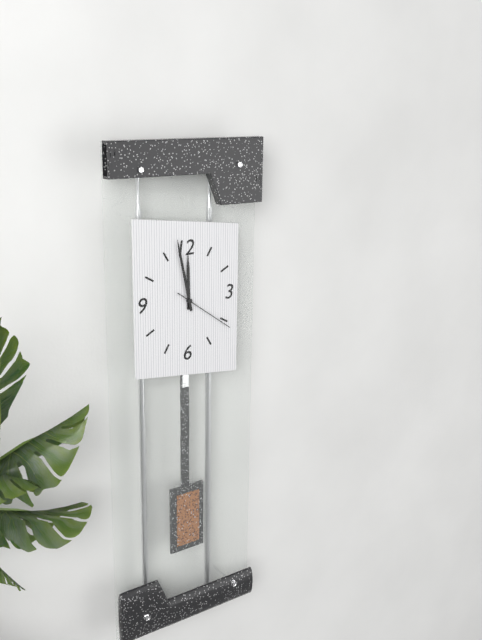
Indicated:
**11:58:21**
